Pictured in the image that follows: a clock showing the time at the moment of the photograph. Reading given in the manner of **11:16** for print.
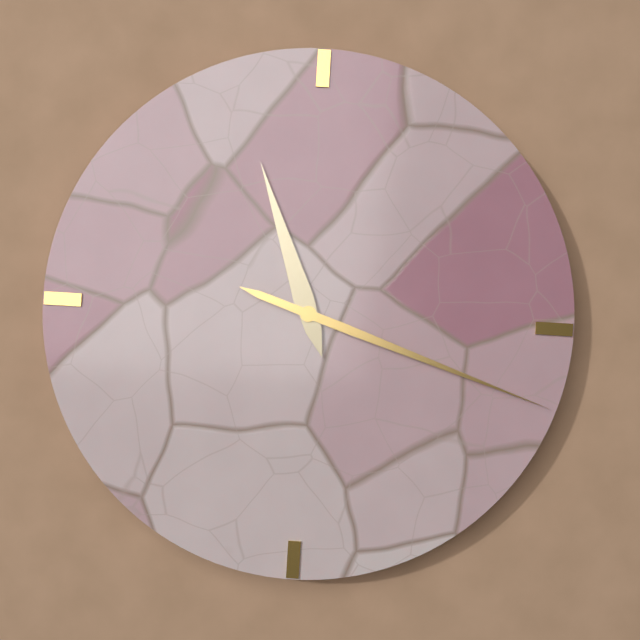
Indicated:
**11:18**
